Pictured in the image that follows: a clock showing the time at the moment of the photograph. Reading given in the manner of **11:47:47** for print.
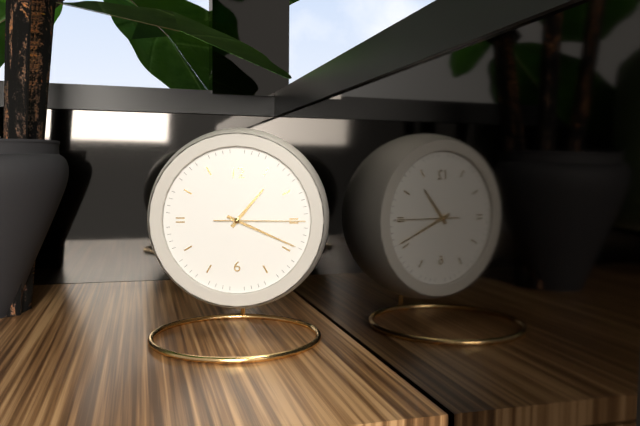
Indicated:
**1:19:15**
